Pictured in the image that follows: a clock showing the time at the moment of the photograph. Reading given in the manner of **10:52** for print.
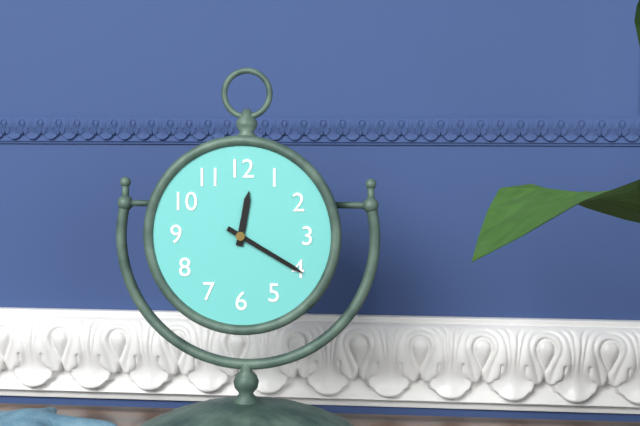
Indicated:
**12:20**
